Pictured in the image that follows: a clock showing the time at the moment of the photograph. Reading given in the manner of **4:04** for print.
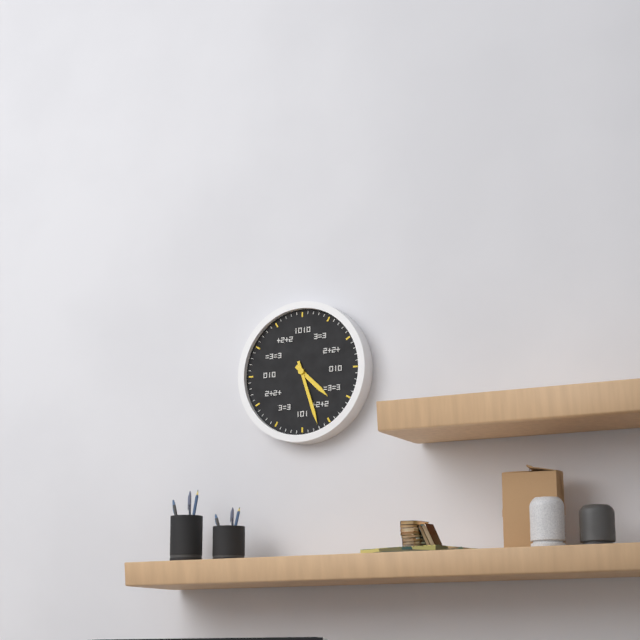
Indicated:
**4:27**
